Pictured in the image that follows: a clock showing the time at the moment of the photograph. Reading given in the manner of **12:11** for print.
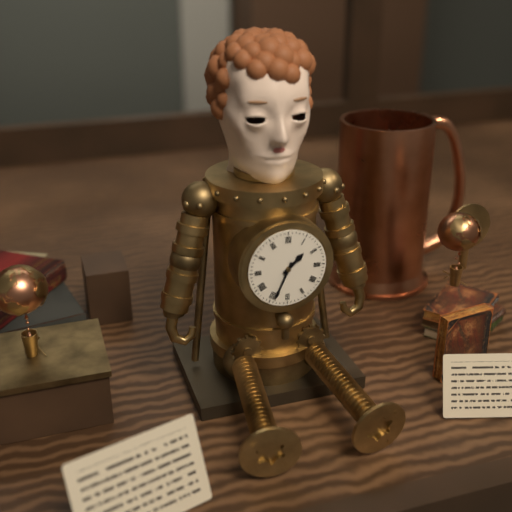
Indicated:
**1:34**
